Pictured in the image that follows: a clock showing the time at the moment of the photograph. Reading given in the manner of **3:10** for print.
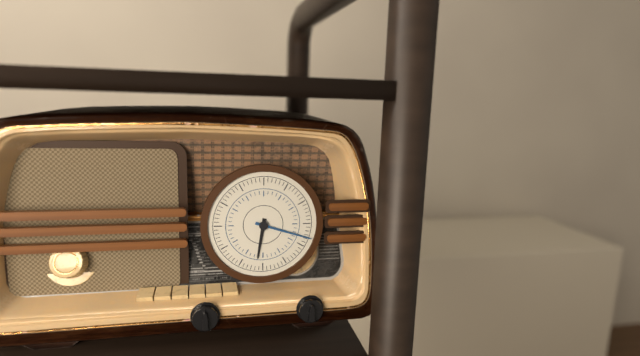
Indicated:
**6:18**
